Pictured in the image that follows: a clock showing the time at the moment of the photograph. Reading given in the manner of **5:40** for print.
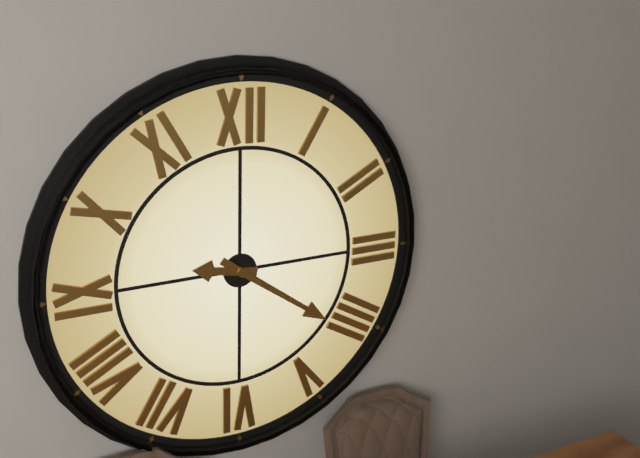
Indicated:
**9:21**
